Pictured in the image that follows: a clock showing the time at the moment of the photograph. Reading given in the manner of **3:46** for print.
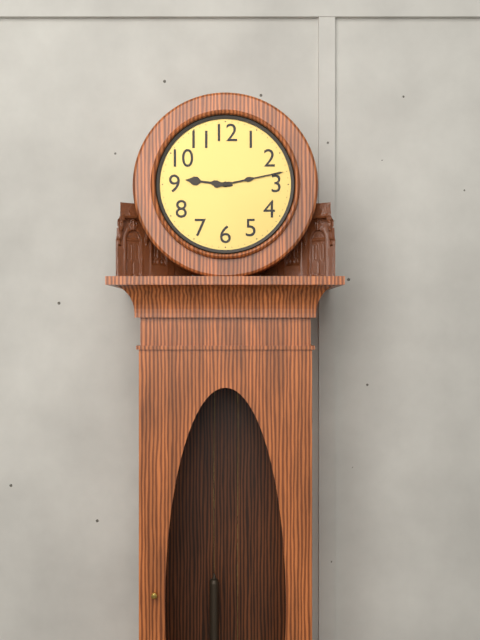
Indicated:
**9:13**
